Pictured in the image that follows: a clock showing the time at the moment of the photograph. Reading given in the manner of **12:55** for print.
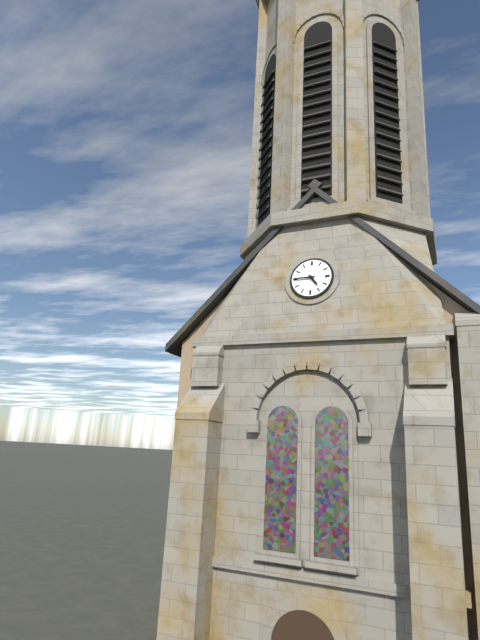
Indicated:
**4:45**
